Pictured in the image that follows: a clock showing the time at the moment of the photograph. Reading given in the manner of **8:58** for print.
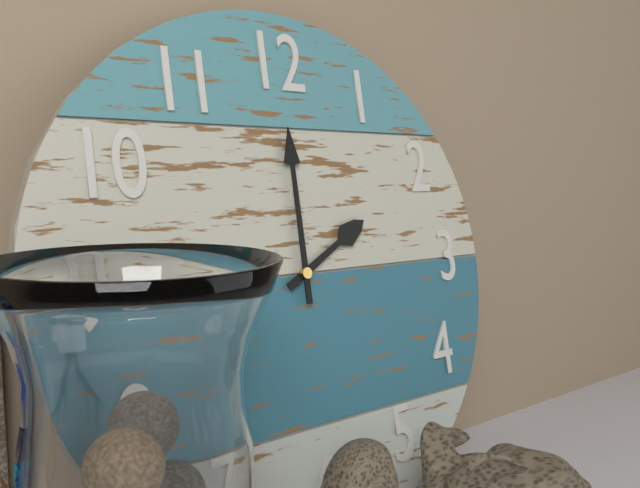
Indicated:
**2:00**
